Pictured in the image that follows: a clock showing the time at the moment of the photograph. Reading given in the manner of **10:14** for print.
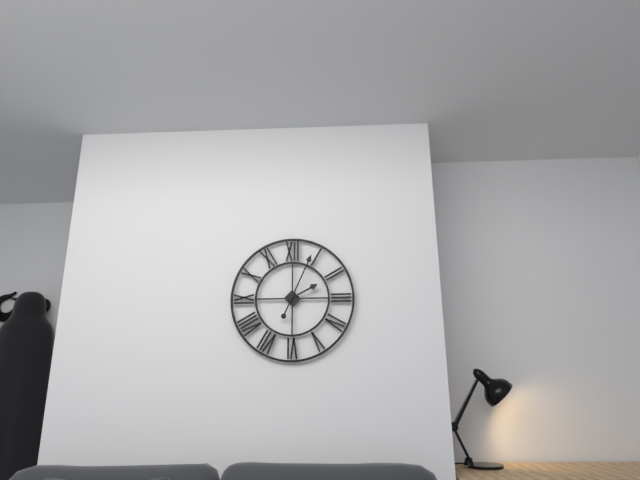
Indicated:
**2:04**
